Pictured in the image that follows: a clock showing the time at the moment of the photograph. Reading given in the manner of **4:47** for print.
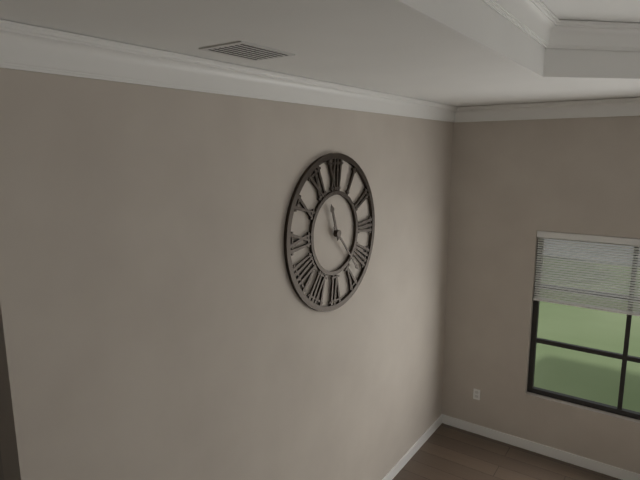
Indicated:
**11:23**
